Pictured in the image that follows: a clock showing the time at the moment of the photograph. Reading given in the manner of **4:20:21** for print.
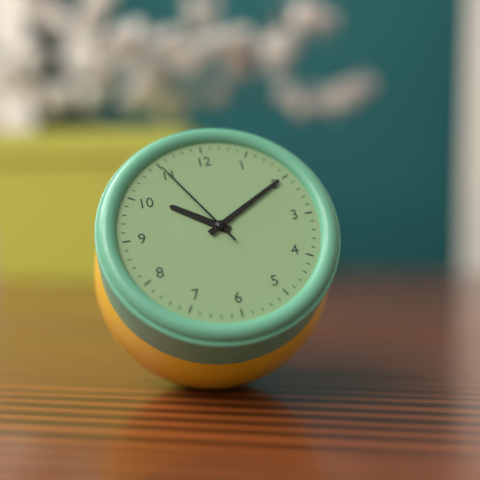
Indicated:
**10:10:55**
